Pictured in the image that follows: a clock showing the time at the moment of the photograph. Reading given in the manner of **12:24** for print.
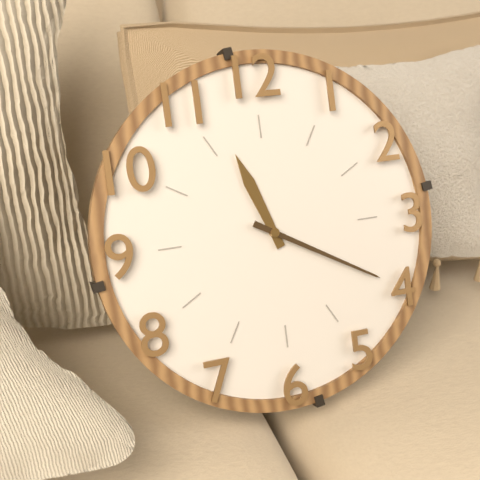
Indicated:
**11:20**
